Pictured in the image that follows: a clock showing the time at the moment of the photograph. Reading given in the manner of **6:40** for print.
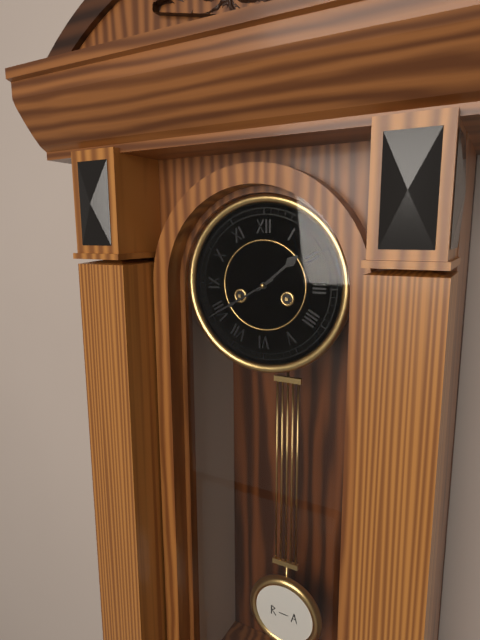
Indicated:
**1:40**
